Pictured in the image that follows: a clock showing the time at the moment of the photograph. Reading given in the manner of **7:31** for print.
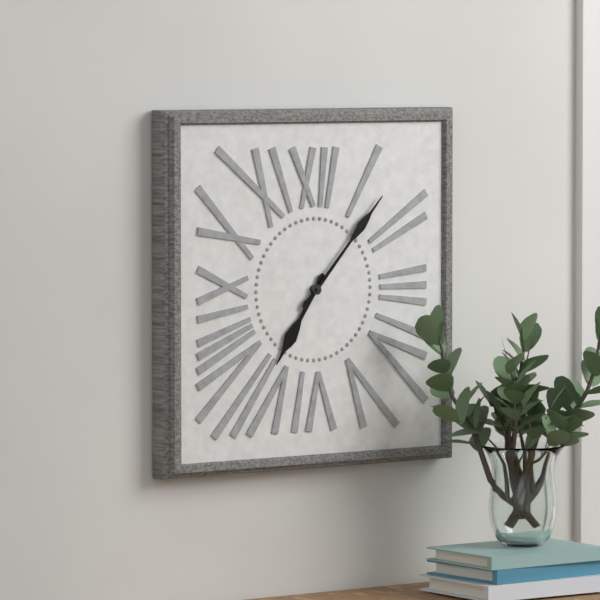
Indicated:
**7:07**
